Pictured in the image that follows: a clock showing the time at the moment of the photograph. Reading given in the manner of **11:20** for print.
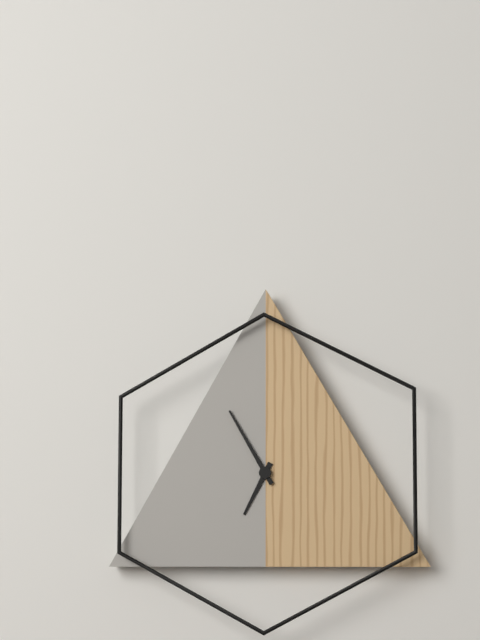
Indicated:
**6:55**
